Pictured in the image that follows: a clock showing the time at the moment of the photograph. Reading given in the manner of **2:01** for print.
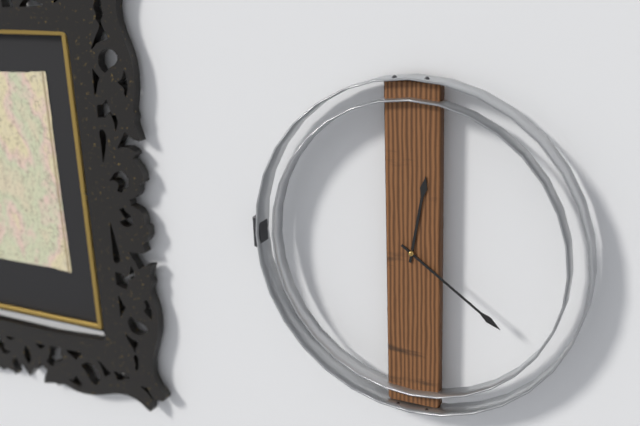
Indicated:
**12:21**
